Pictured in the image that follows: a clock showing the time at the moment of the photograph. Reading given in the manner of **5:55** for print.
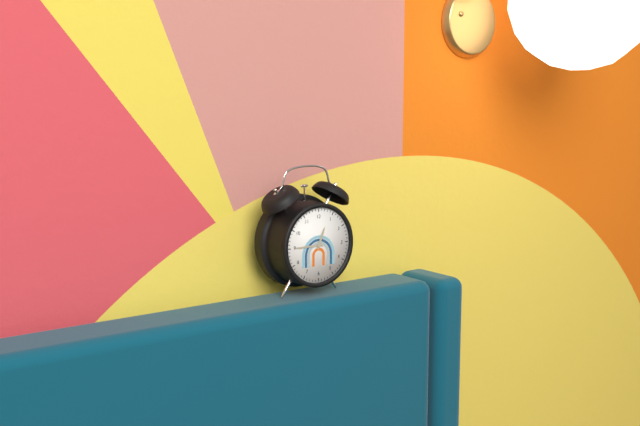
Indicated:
**12:45**
